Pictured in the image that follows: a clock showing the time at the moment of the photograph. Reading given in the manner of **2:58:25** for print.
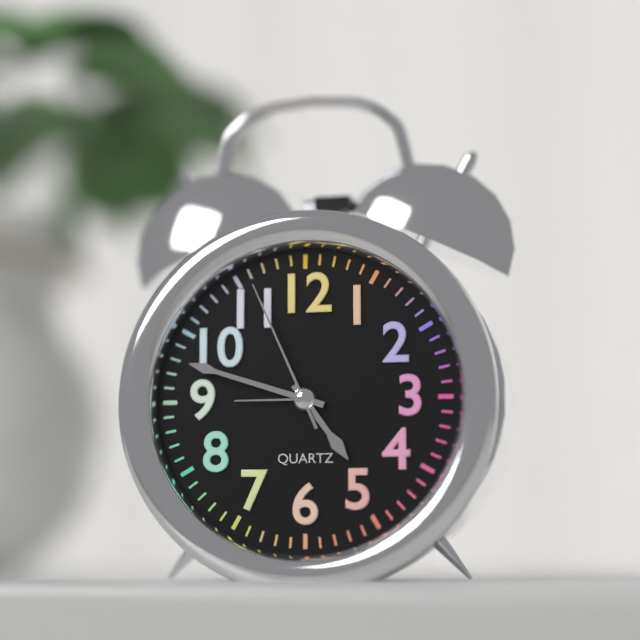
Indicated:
**4:48:56**
